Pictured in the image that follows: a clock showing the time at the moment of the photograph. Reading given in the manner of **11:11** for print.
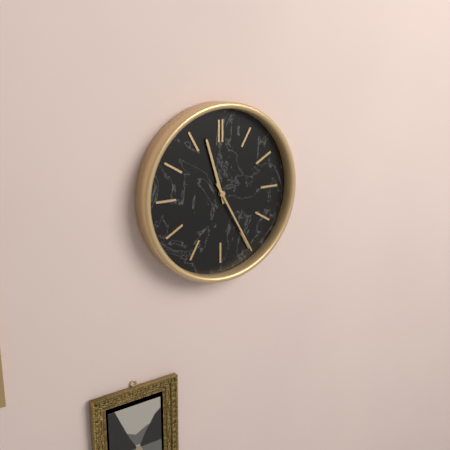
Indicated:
**11:25**
